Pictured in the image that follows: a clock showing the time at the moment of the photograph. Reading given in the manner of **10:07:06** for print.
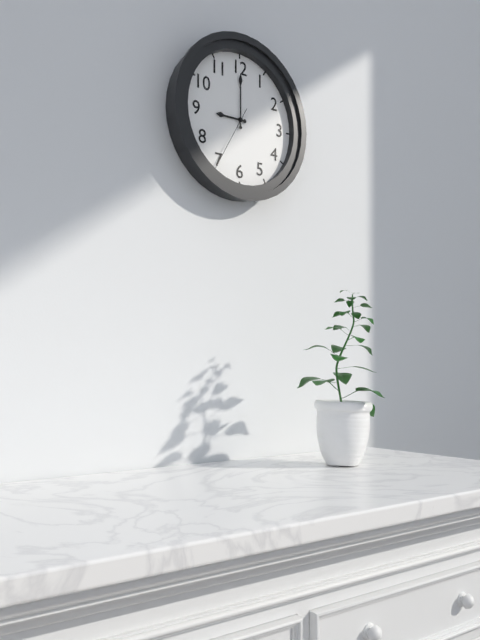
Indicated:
**9:00:35**
